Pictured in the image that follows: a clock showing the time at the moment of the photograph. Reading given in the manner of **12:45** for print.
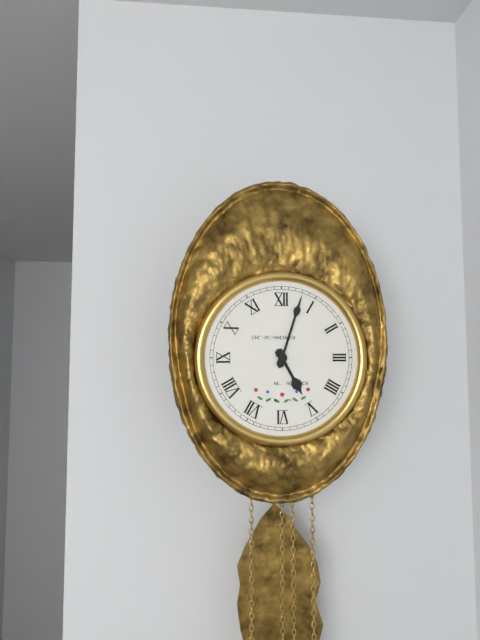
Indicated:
**5:03**
